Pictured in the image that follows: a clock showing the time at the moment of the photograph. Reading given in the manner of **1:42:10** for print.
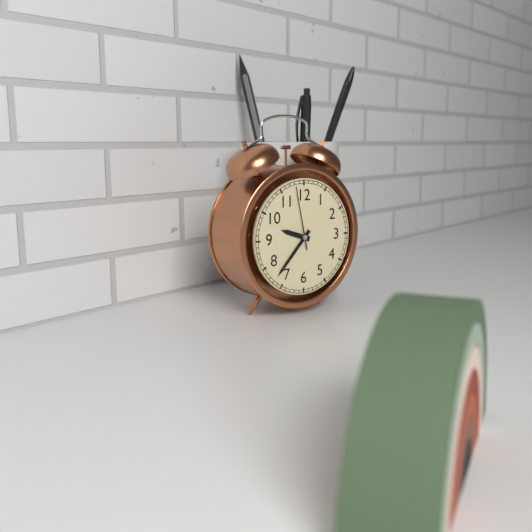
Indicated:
**9:37:58**
